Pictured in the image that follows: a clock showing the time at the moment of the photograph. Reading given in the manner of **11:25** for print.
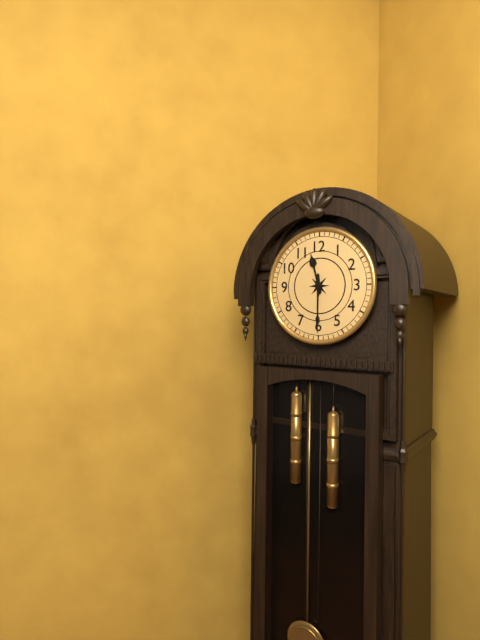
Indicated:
**11:30**
